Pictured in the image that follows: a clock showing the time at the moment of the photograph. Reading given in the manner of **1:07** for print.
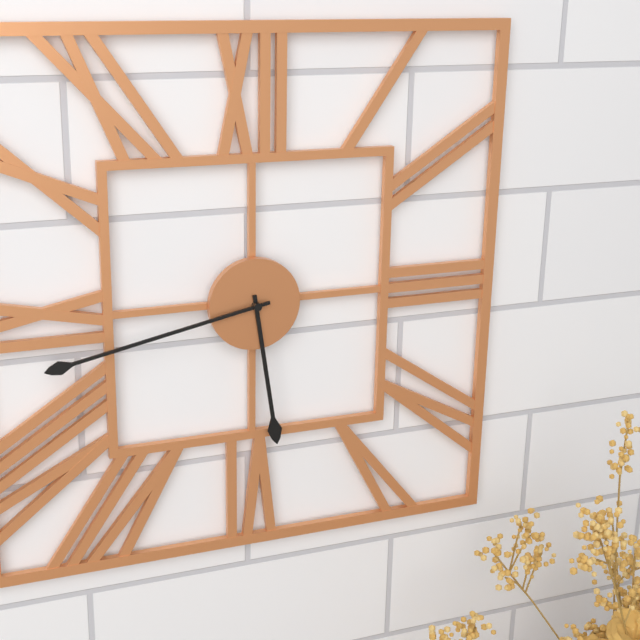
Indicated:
**5:43**
